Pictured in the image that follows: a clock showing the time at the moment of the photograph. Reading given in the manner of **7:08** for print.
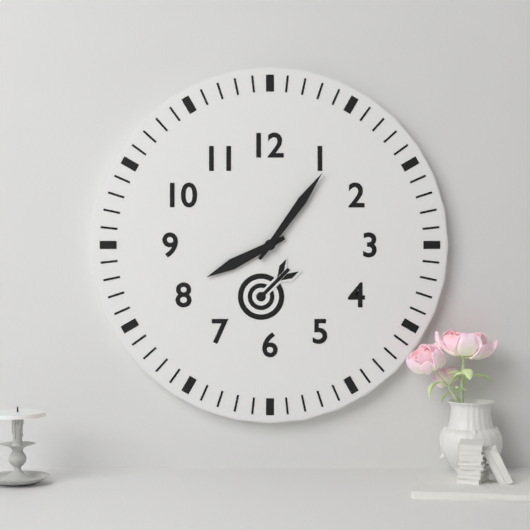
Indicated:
**8:06**
